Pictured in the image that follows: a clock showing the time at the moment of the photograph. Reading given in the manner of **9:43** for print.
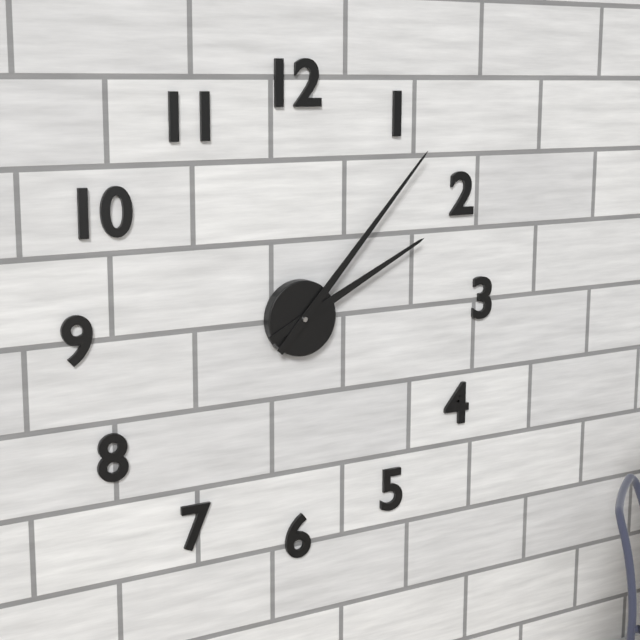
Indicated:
**2:07**
